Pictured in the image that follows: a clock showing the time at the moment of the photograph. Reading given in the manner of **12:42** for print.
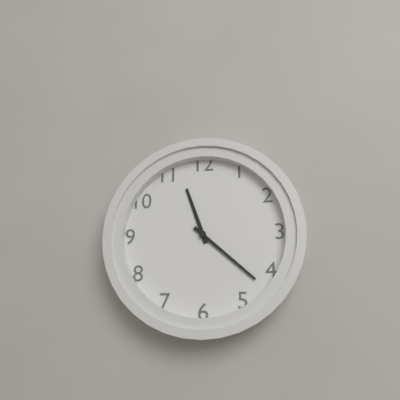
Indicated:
**11:22**
